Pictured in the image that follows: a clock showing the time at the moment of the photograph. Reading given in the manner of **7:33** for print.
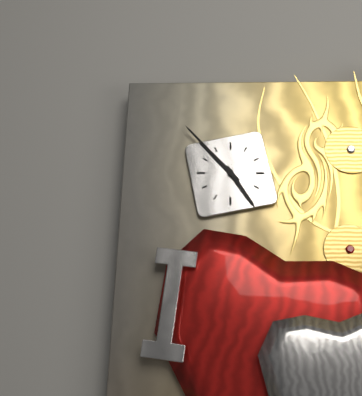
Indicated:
**4:53**
